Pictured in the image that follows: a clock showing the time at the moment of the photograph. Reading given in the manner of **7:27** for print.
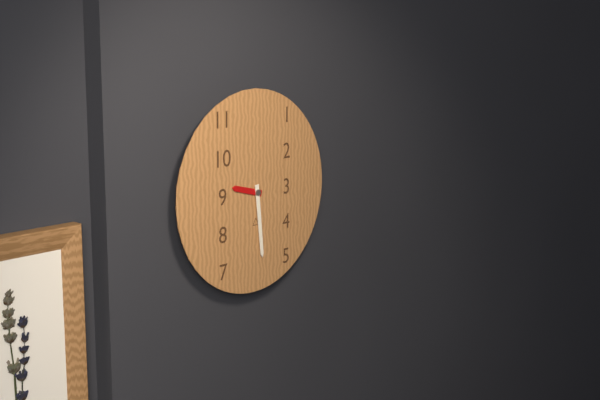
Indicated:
**9:29**
